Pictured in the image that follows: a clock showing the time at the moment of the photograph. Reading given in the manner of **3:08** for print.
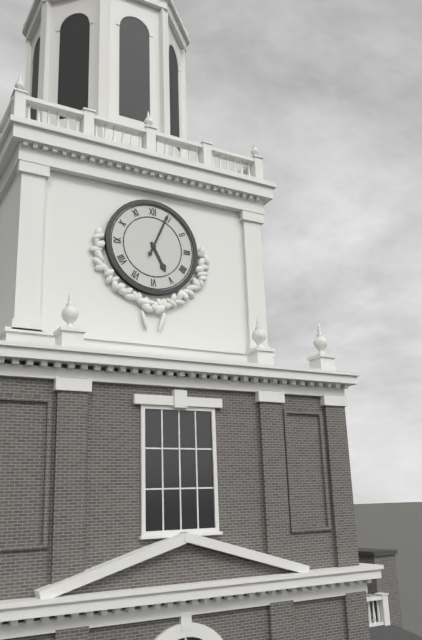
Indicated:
**5:04**
